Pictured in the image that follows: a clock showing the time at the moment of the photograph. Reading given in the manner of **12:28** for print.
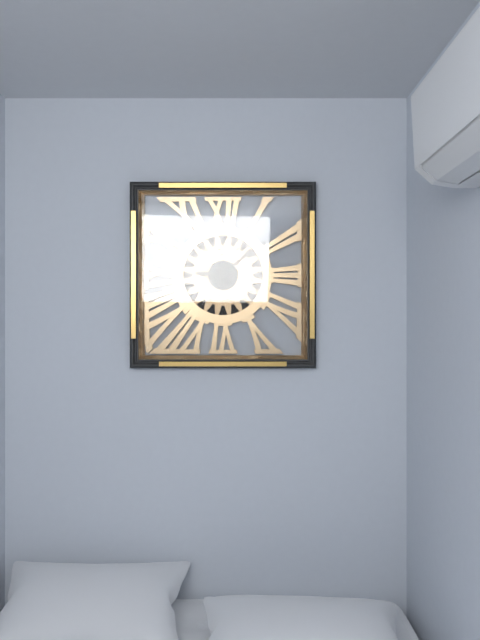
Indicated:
**9:08**
